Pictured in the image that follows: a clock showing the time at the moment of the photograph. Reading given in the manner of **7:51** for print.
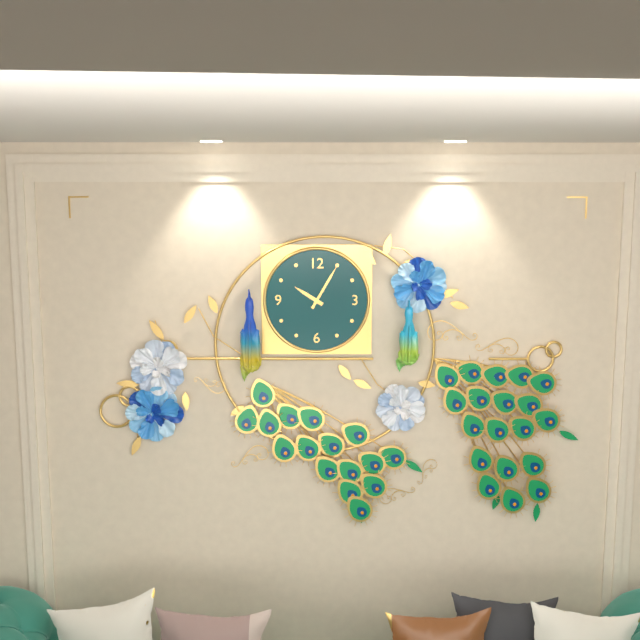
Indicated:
**10:05**
